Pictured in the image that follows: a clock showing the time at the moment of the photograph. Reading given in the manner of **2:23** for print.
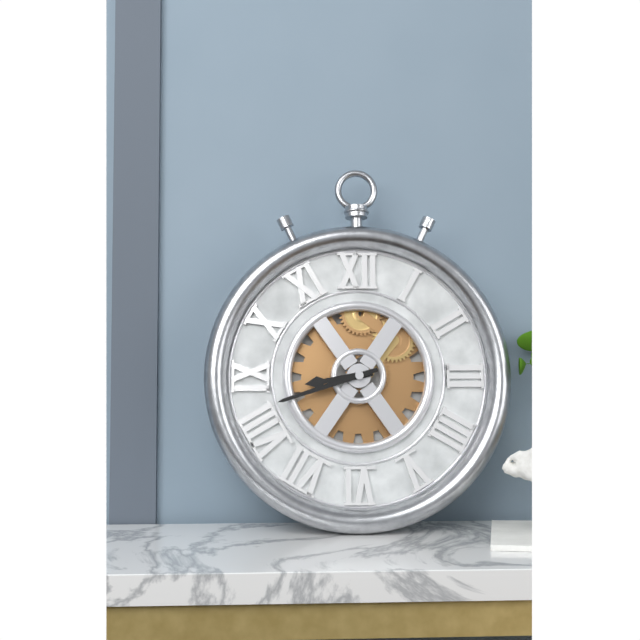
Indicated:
**8:42**
